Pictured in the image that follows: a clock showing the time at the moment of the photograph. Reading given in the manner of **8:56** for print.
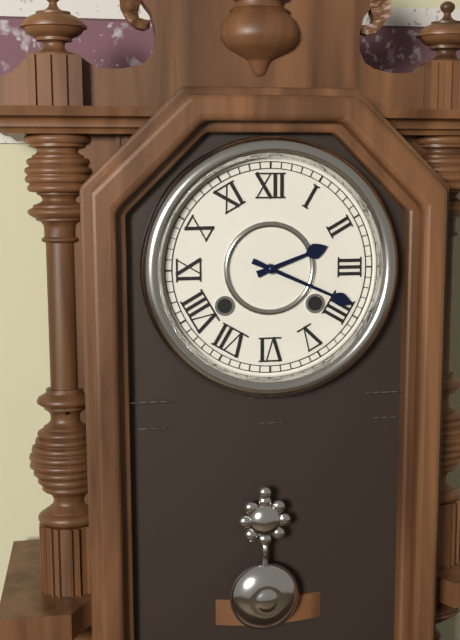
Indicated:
**2:19**
